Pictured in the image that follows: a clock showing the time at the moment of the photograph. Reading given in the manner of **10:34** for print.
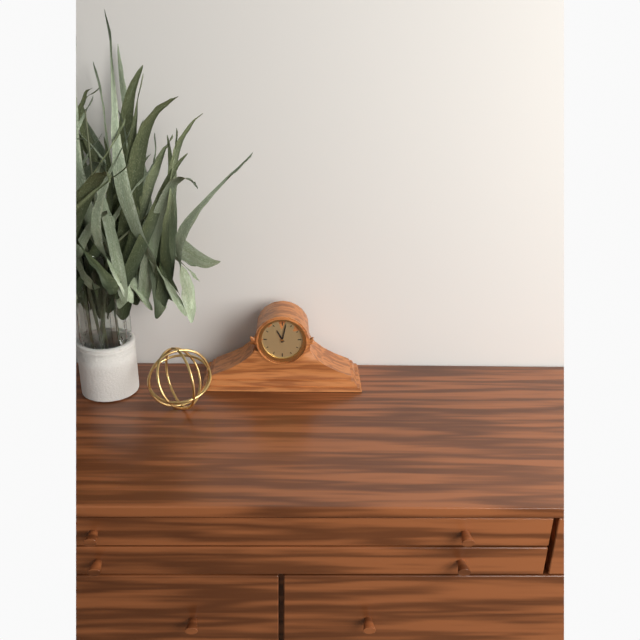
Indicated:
**11:02**
